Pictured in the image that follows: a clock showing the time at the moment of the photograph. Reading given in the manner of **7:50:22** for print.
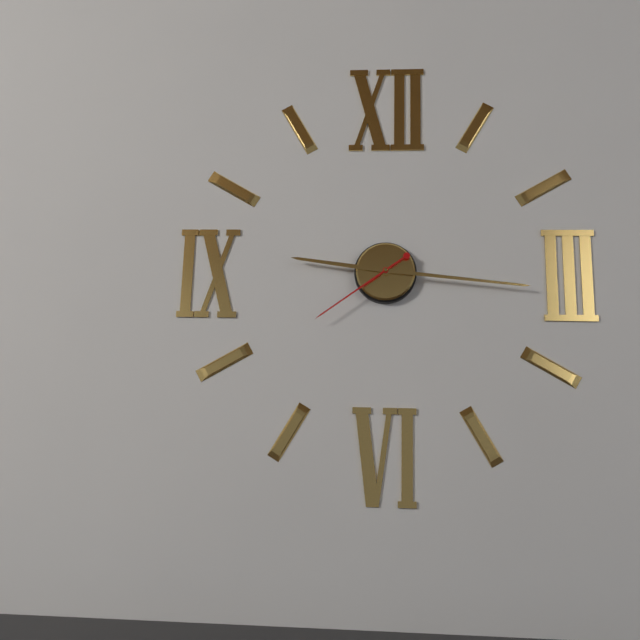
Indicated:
**9:16:39**
